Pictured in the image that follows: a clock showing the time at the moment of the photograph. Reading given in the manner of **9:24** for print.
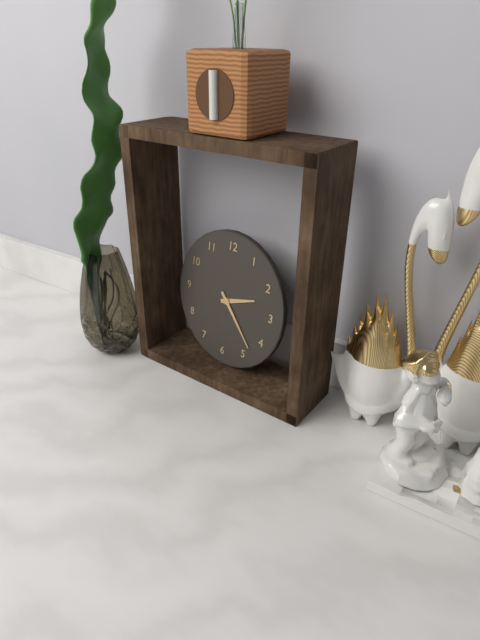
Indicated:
**2:23**
